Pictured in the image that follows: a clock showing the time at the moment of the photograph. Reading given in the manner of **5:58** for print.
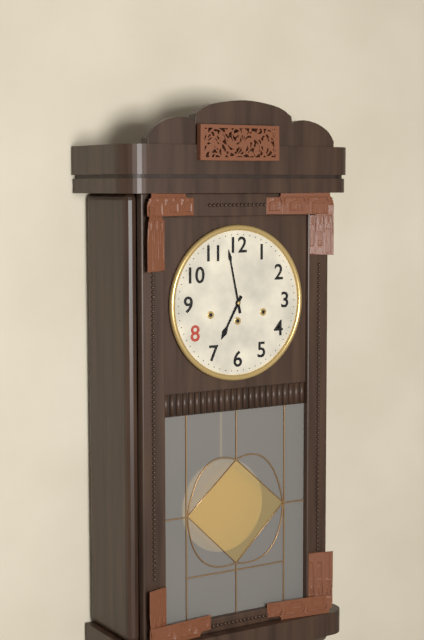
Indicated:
**6:58**
